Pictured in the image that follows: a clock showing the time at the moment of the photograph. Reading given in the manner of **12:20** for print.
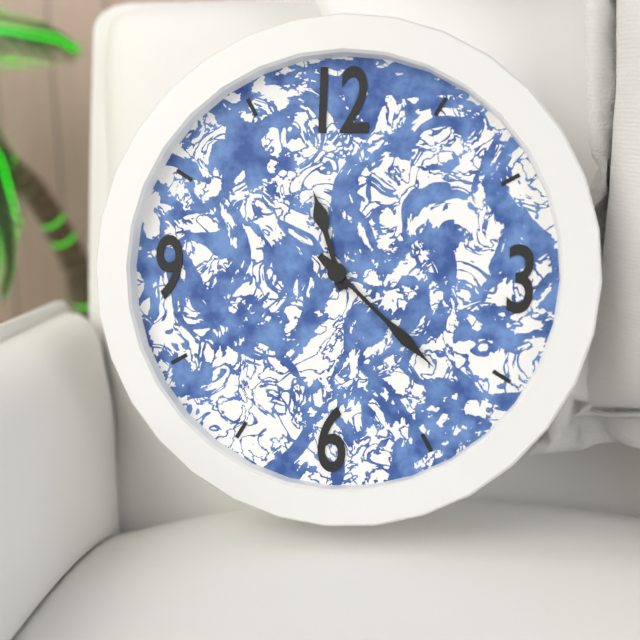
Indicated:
**11:22**
